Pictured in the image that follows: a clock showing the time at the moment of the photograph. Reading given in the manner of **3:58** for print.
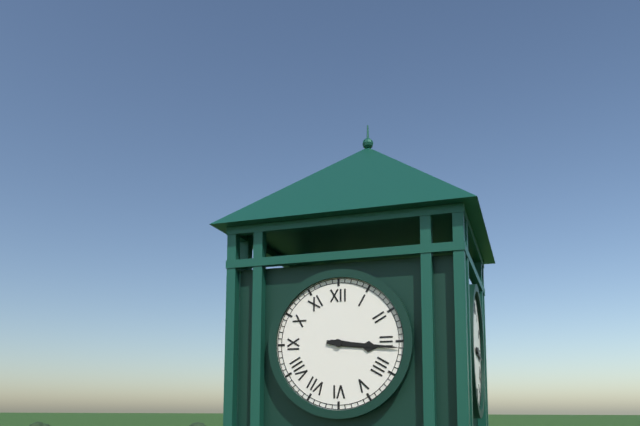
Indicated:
**3:16**
